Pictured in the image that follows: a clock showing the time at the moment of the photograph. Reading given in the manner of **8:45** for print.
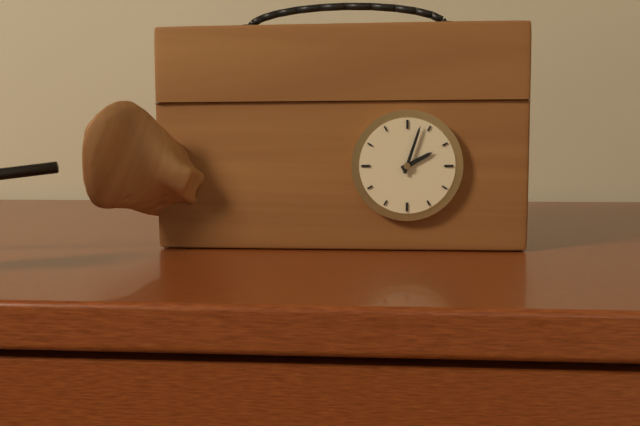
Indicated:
**2:03**
